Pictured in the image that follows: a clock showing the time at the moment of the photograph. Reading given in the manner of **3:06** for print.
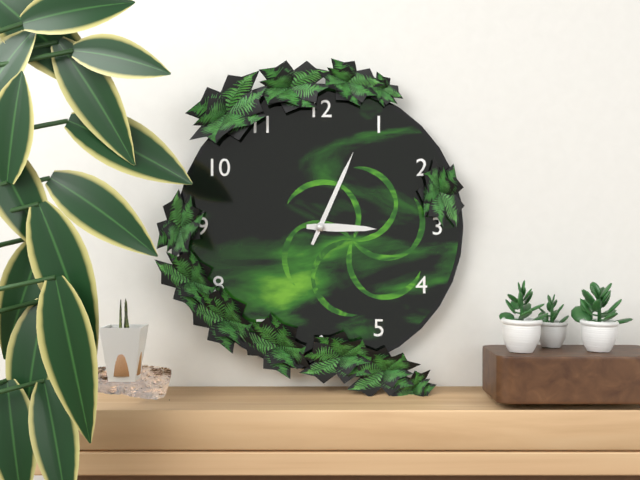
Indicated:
**3:04**
